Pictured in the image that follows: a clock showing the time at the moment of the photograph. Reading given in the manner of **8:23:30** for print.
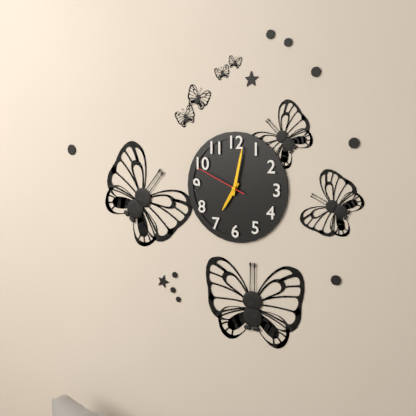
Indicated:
**7:02:49**
